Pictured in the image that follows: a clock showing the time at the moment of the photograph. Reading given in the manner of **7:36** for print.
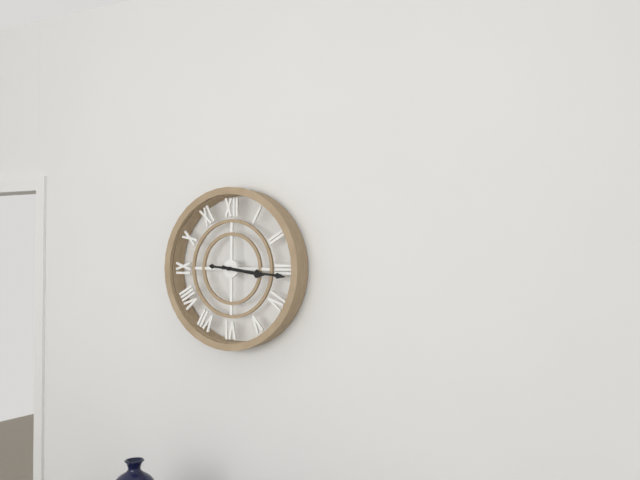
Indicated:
**3:16**
